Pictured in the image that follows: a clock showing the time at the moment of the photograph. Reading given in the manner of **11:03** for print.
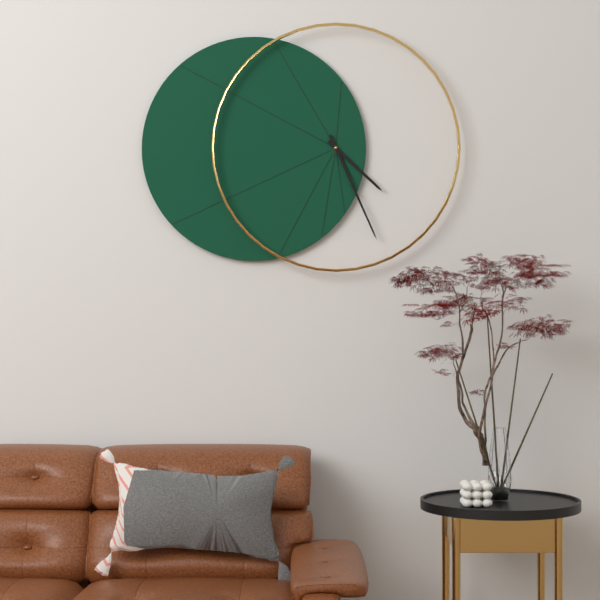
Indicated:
**4:26**
